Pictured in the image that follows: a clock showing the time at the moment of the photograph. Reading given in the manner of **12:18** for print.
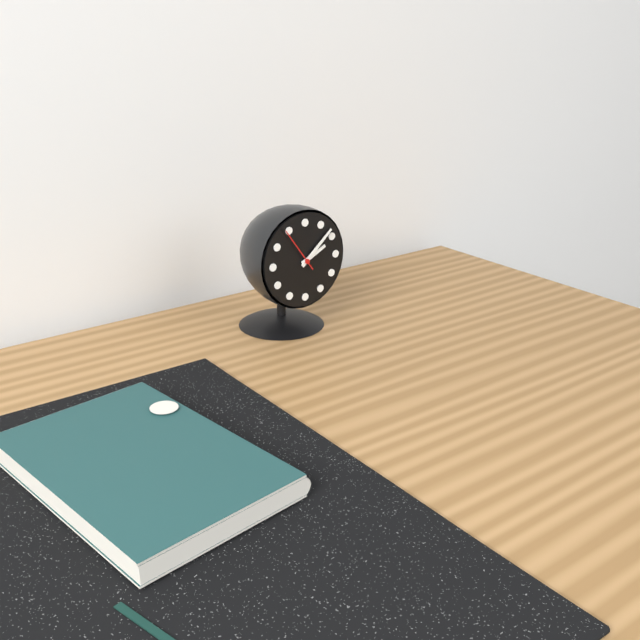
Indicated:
**2:08**
